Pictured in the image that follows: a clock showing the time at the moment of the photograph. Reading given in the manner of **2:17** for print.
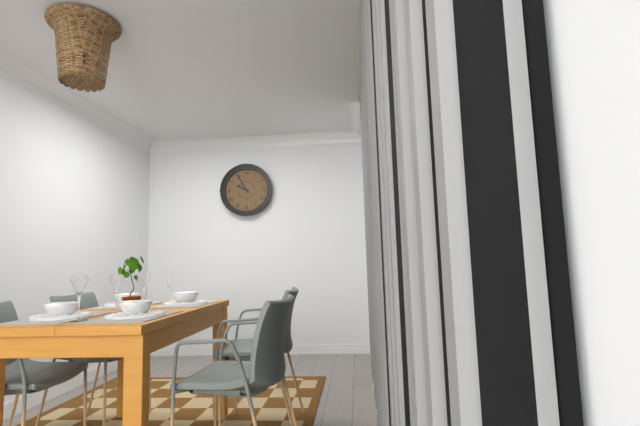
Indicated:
**9:55**
